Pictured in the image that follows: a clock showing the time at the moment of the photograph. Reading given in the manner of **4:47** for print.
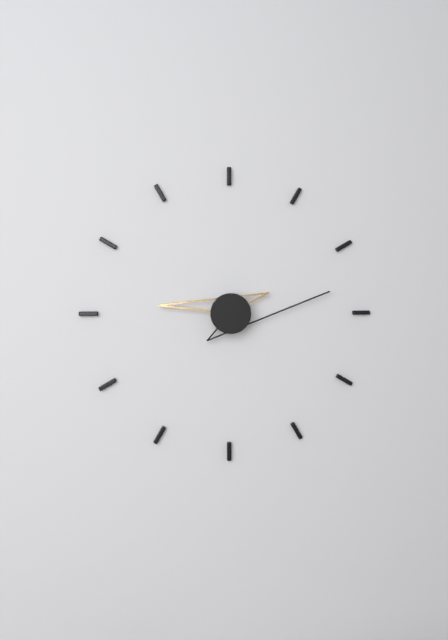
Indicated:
**9:13**
